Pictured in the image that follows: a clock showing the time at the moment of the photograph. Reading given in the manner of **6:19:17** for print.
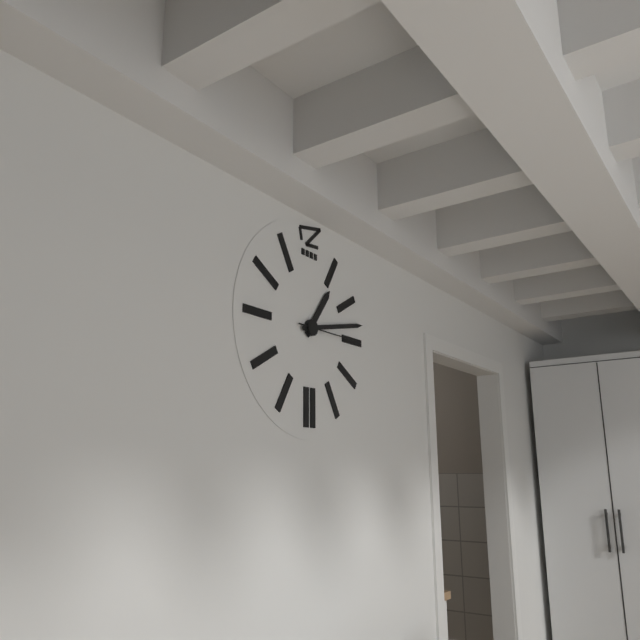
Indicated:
**1:13:15**
